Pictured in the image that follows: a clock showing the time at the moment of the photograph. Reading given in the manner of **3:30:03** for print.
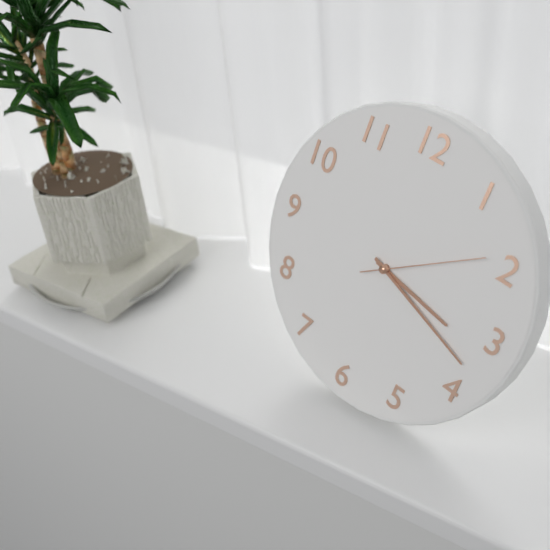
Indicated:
**3:18:09**
